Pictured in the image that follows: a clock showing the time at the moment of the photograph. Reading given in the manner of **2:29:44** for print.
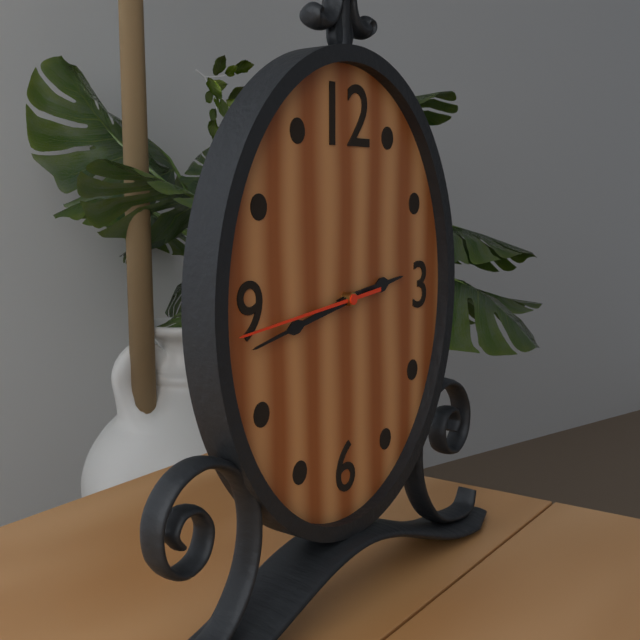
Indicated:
**2:43:44**
